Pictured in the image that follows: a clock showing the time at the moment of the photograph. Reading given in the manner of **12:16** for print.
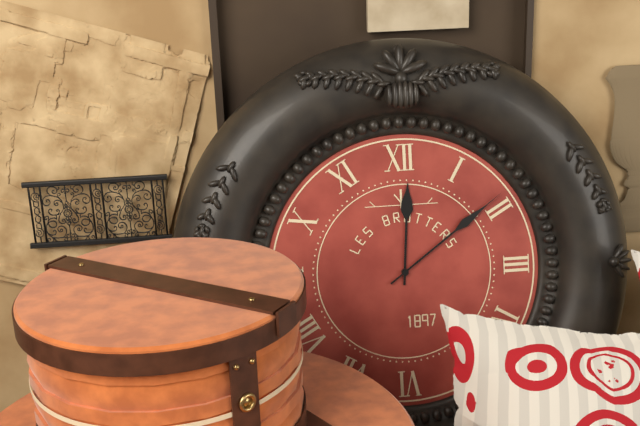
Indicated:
**12:09**
